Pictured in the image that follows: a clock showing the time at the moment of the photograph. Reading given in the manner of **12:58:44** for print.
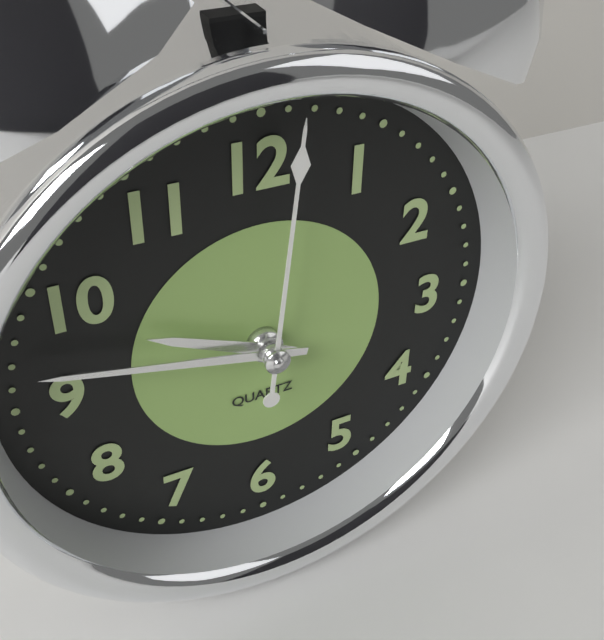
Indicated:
**9:47:01**
